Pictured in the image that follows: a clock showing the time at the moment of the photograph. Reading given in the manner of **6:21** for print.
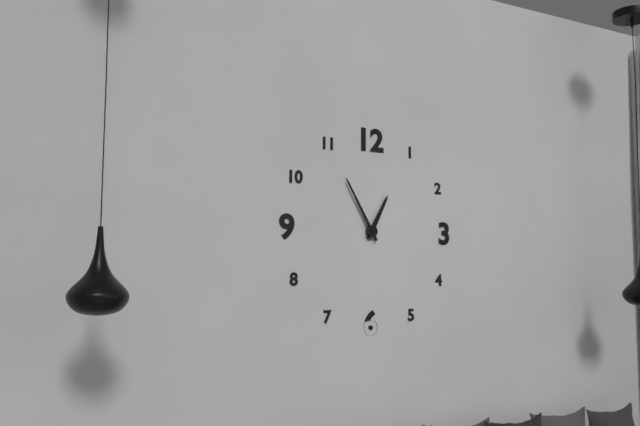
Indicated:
**12:55**
